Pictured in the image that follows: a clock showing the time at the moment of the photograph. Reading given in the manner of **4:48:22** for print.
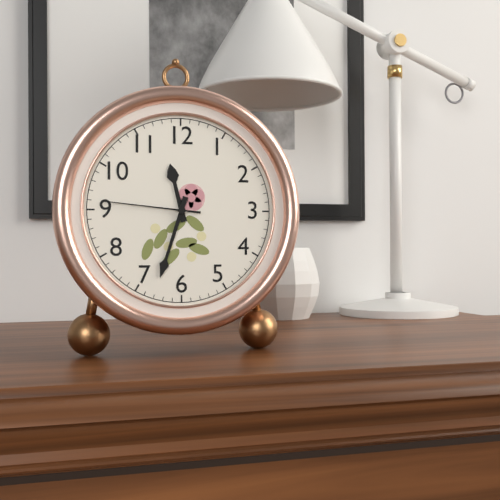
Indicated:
**11:33:46**
